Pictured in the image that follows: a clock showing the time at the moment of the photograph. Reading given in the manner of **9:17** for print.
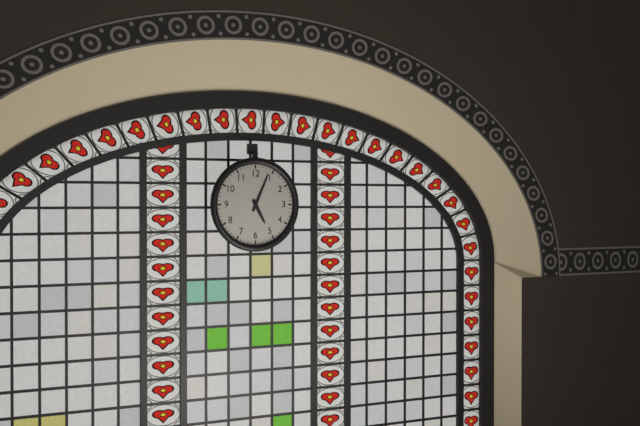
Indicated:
**5:04**
